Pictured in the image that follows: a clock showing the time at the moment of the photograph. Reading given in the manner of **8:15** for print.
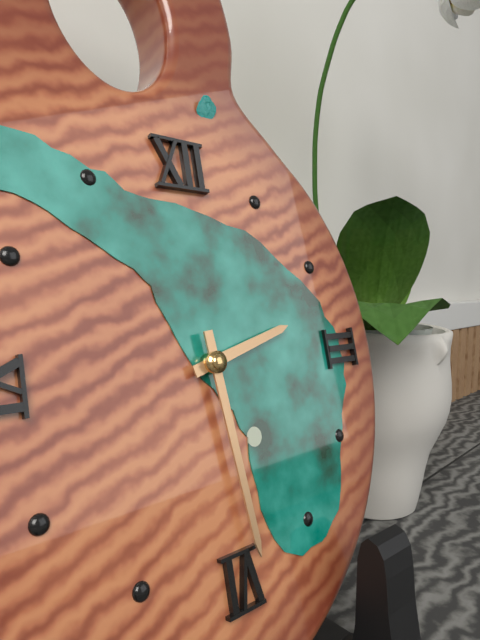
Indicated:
**2:29**
